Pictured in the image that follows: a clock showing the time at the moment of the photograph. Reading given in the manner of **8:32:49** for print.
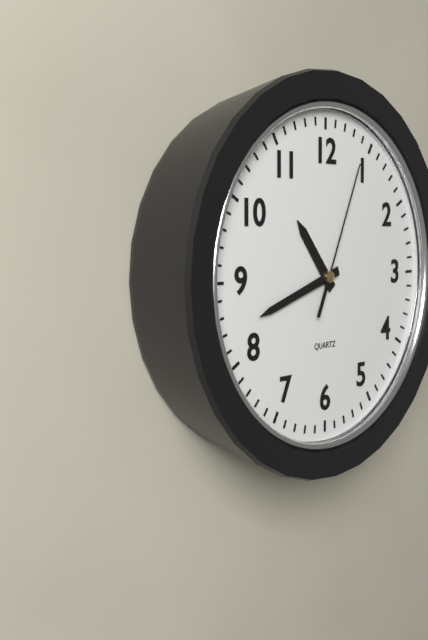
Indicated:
**10:42:04**
